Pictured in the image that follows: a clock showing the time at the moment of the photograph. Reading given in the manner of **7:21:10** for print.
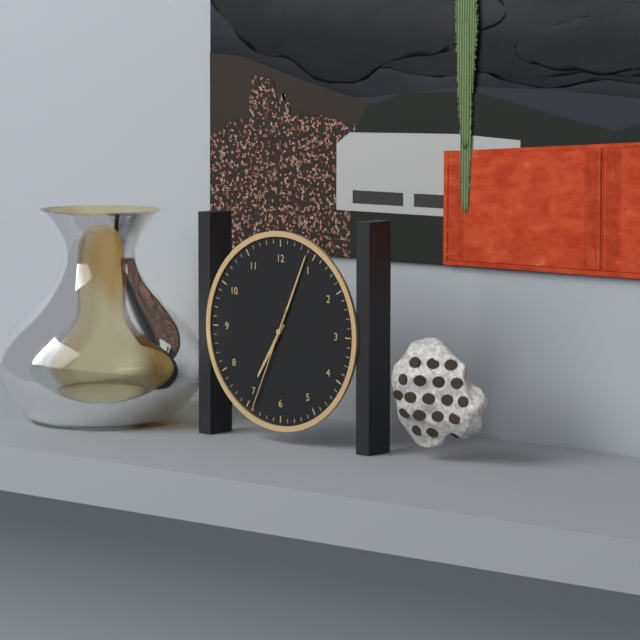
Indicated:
**7:04:34**
